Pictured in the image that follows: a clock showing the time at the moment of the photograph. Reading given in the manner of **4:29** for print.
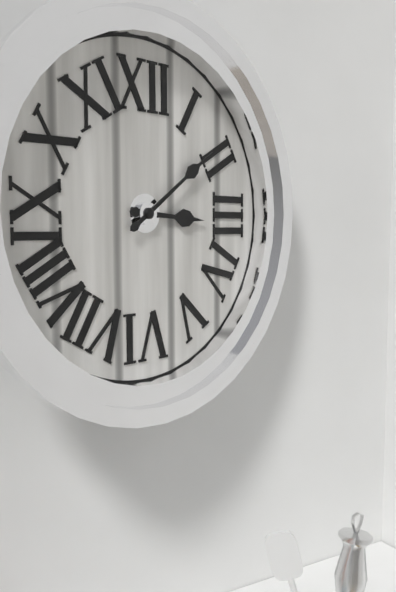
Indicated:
**3:09**
